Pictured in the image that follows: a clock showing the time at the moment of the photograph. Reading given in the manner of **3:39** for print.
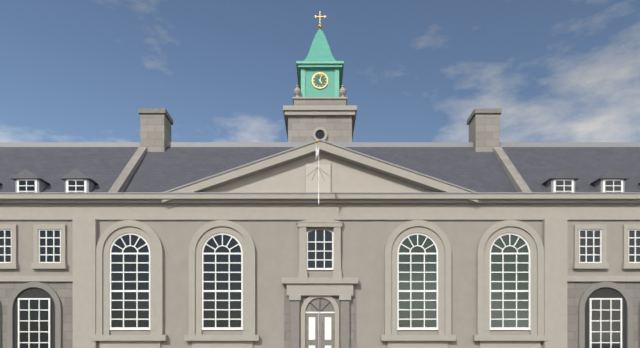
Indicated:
**5:03**
